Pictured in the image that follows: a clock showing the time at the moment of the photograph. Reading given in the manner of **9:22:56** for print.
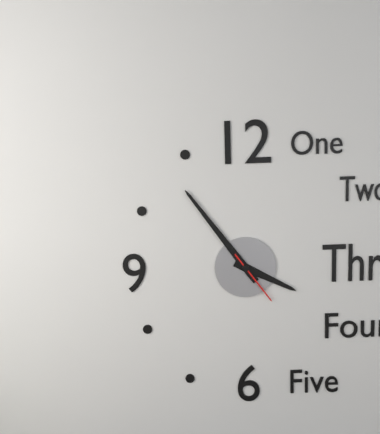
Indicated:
**3:54:24**
